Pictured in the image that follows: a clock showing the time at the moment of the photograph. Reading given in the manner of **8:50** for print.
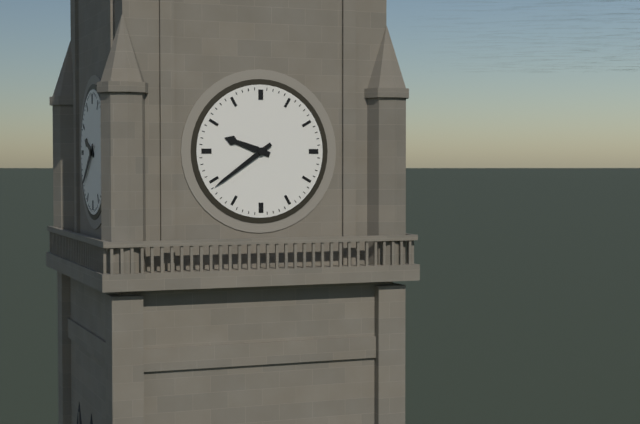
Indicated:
**9:39**
